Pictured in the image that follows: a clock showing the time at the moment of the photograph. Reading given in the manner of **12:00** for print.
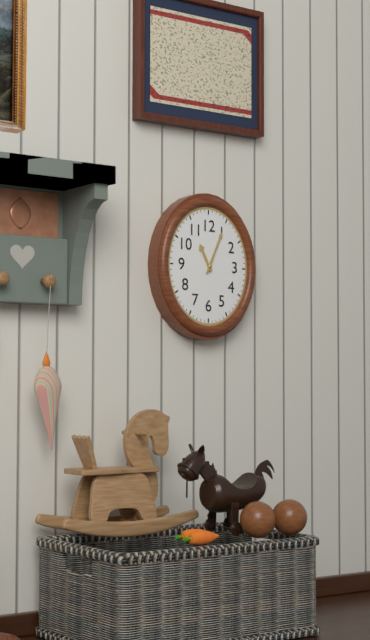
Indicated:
**11:04**
